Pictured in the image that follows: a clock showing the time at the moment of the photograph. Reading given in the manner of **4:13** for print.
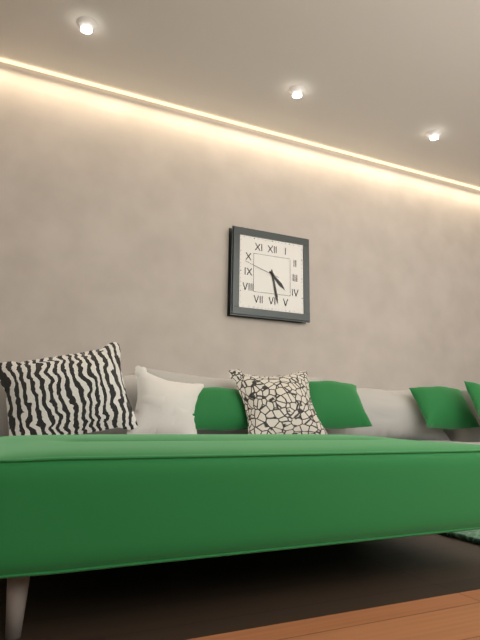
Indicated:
**4:28**
